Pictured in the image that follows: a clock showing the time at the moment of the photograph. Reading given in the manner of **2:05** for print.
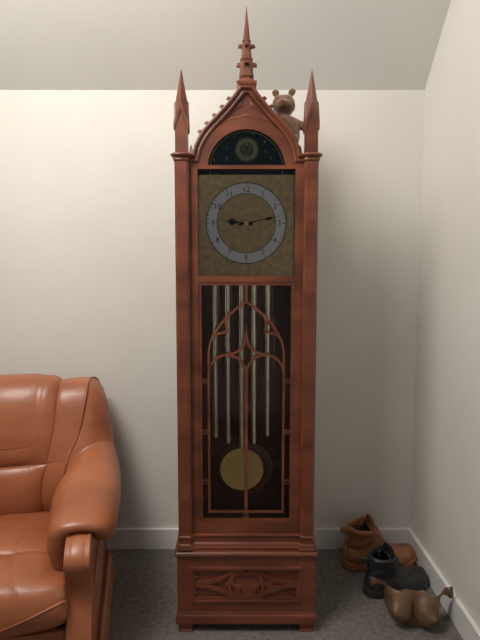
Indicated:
**9:13**
